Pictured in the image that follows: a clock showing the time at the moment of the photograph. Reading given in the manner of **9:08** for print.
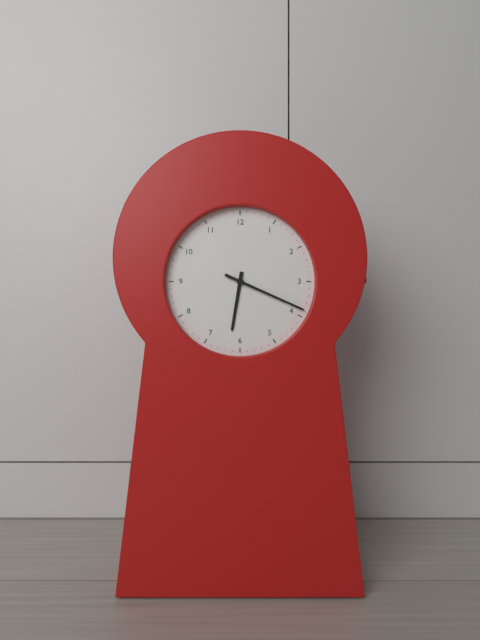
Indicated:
**6:19**
